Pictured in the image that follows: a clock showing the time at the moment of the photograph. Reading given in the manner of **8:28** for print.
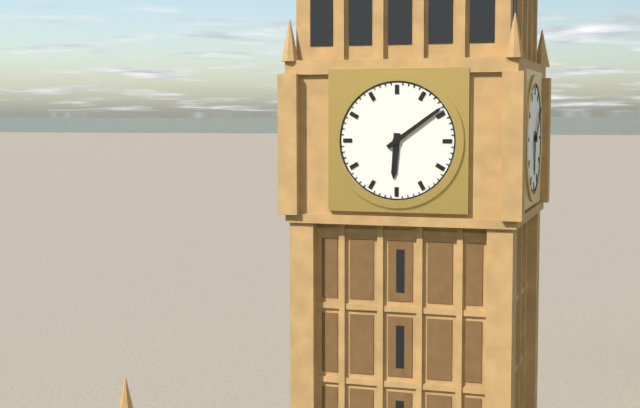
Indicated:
**6:09**
